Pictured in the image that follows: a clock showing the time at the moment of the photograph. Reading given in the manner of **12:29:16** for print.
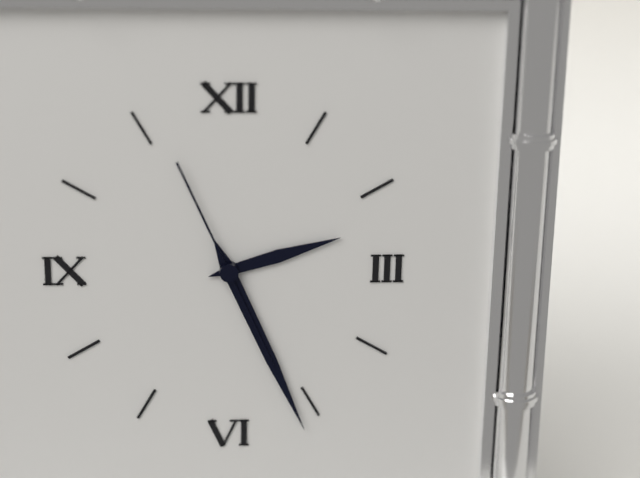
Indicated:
**2:26:56**
